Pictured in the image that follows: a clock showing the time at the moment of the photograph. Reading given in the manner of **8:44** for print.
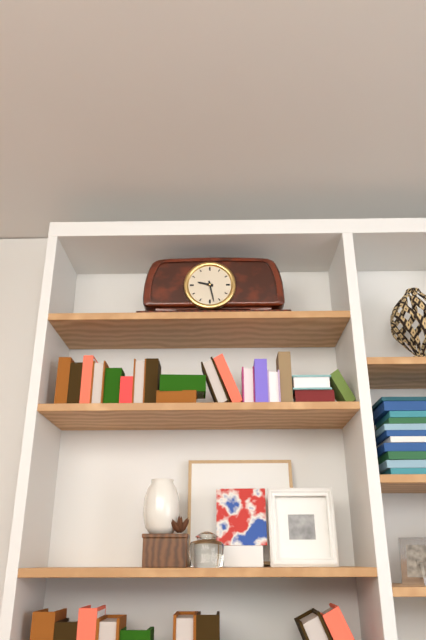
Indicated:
**9:28**
